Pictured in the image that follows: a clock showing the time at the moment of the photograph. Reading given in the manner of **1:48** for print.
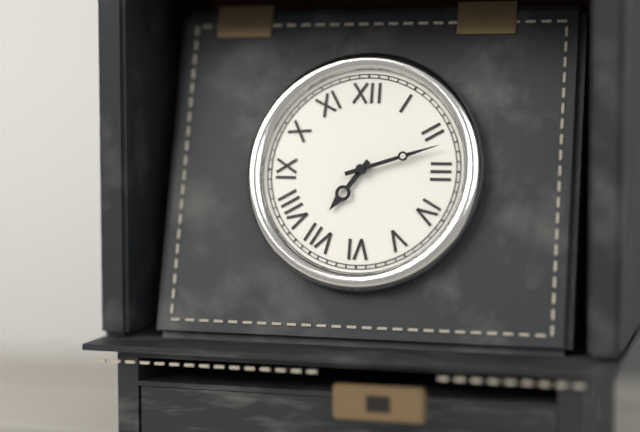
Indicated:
**7:12**
